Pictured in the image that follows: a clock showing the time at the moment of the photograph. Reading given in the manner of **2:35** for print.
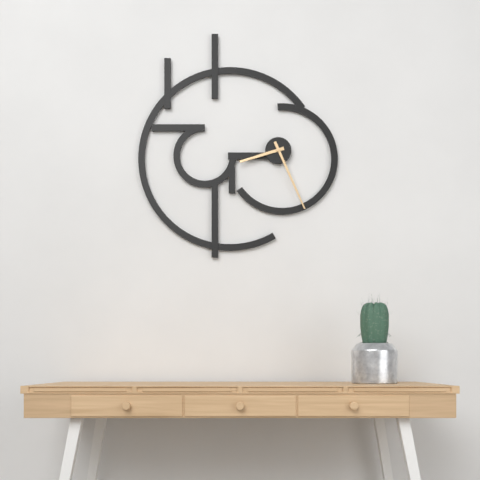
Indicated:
**8:26**
